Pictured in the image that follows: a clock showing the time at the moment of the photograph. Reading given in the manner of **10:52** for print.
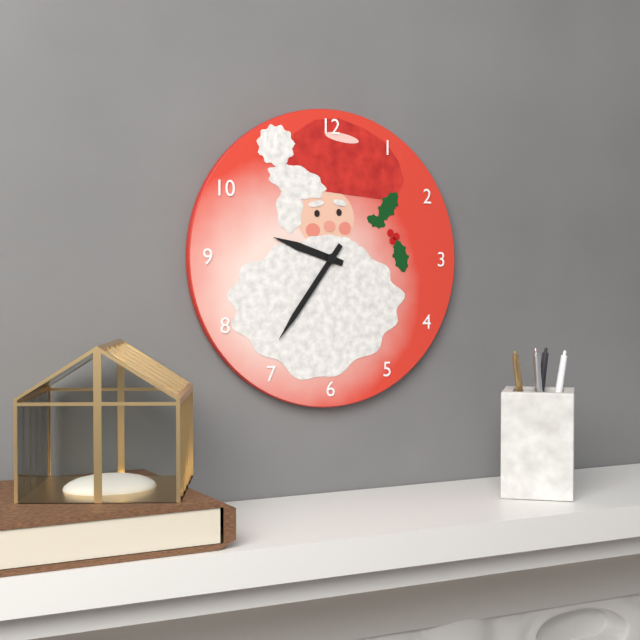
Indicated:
**9:36**
